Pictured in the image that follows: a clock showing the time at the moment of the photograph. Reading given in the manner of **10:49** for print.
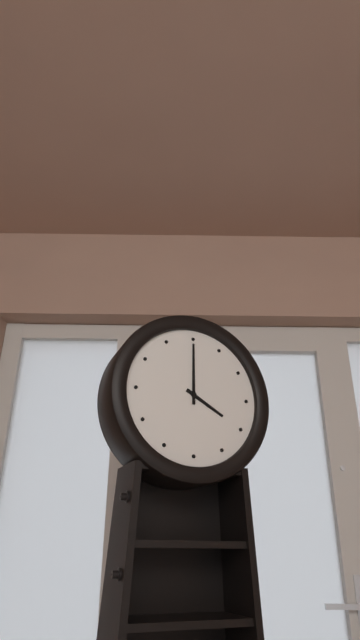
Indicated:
**4:00**
